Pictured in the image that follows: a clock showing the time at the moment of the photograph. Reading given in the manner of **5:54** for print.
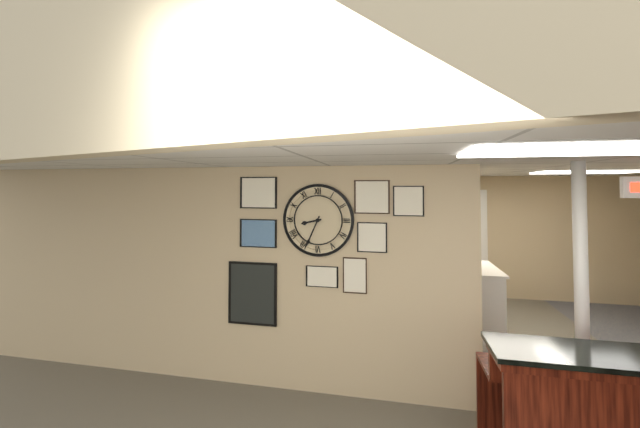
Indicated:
**8:34**
